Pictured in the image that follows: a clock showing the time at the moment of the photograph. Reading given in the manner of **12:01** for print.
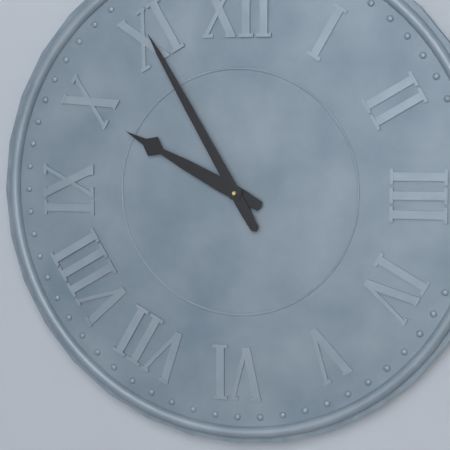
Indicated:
**9:55**
